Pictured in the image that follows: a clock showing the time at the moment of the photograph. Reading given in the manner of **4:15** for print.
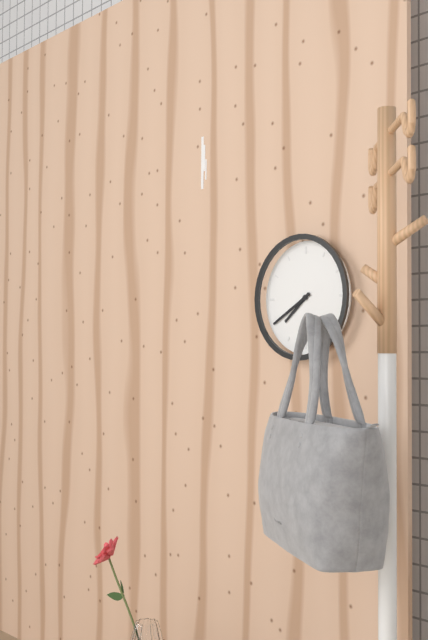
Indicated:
**7:40**
